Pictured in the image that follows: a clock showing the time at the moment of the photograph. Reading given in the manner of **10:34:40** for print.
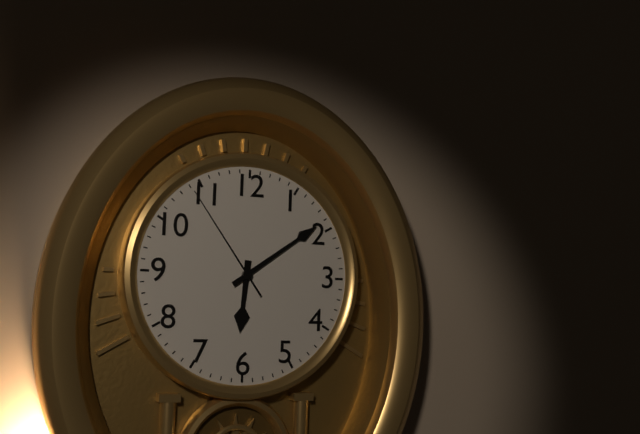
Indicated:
**6:09:54**
